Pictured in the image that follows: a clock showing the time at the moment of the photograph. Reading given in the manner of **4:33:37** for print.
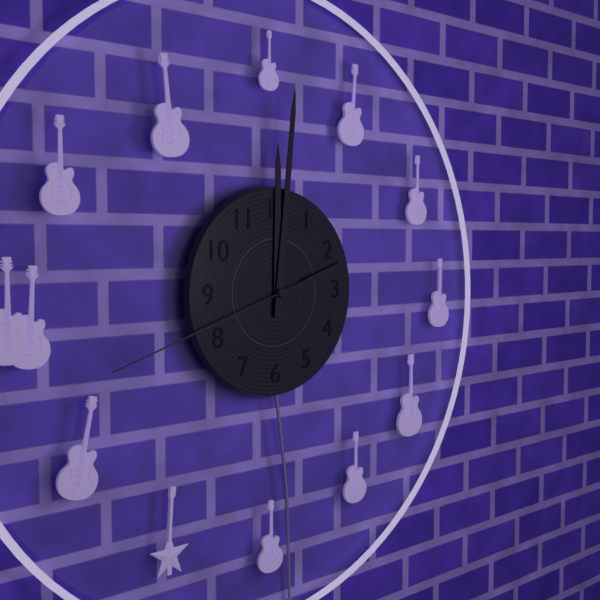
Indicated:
**12:01:42**
